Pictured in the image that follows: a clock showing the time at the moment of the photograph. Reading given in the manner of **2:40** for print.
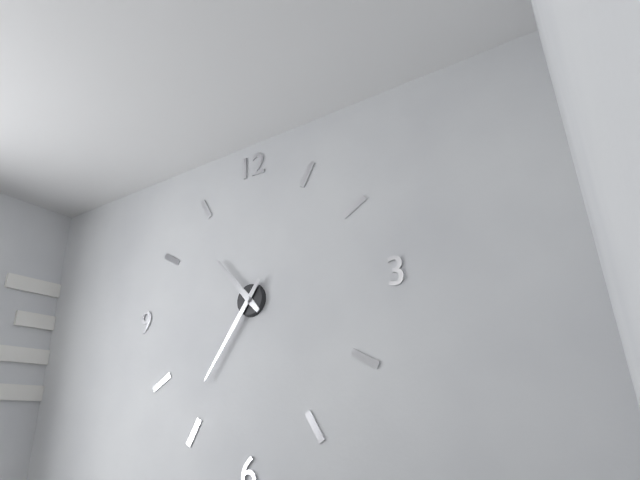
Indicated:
**10:36**
